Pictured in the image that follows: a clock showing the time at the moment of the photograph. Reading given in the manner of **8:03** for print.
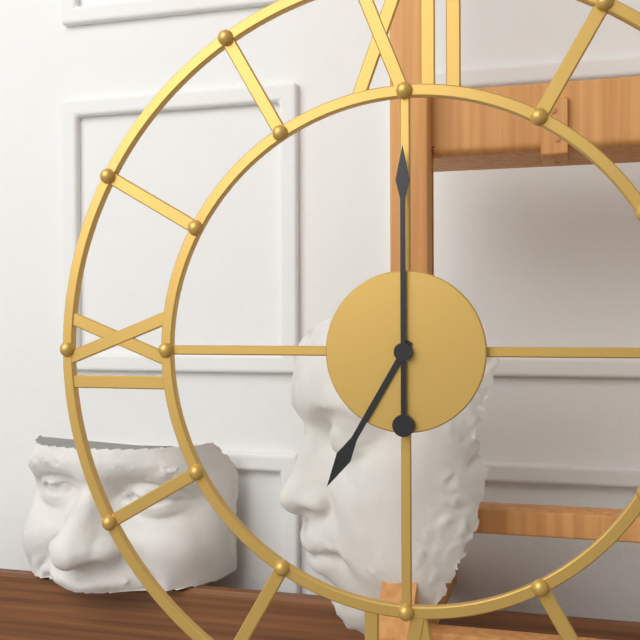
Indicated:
**7:00**
